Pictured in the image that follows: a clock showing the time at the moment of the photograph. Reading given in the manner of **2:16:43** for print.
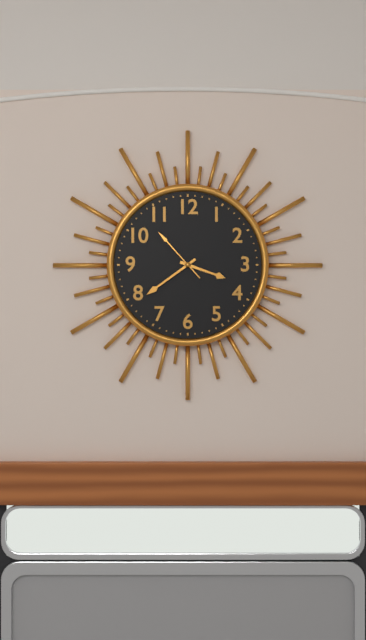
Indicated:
**3:39:53**
